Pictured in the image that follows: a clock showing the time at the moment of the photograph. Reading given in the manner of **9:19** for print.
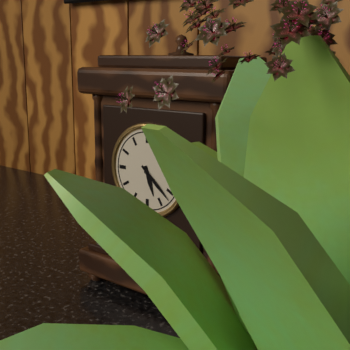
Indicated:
**5:22**
